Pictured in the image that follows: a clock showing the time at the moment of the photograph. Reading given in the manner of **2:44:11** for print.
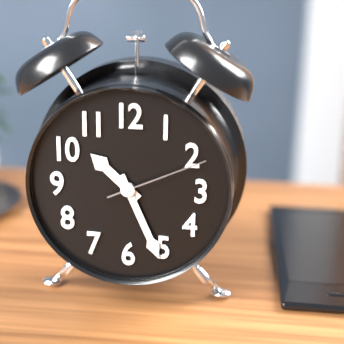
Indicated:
**10:26:11**
